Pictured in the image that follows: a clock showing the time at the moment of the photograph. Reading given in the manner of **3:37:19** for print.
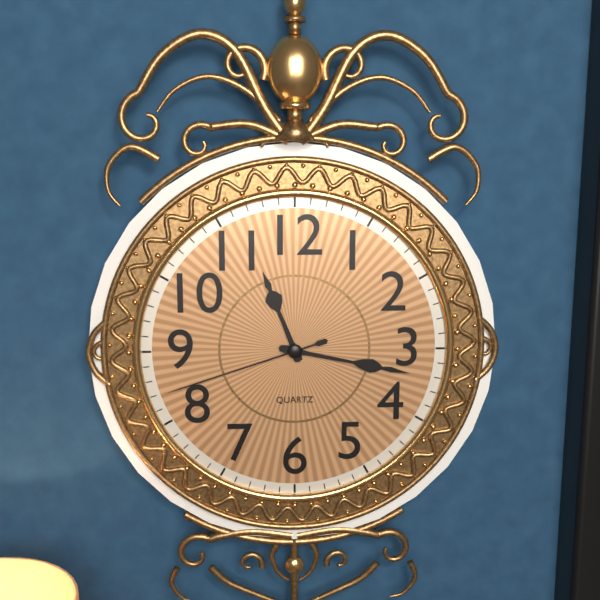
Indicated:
**11:17:42**
